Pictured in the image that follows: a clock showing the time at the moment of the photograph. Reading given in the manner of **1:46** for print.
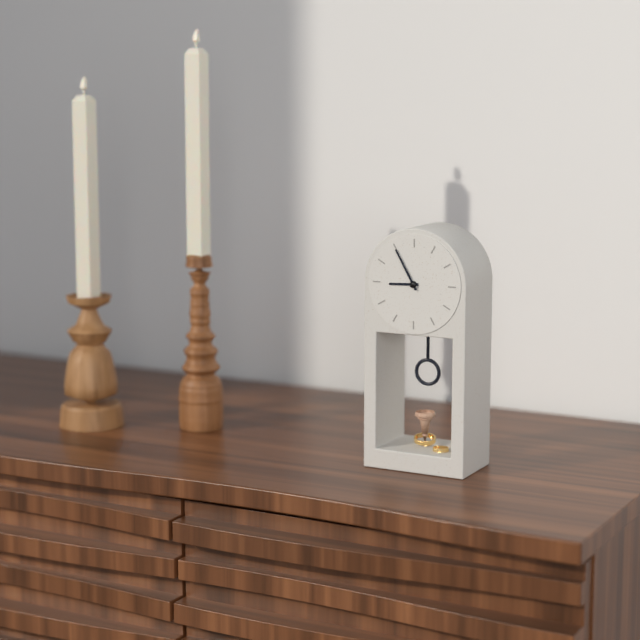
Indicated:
**8:55**
